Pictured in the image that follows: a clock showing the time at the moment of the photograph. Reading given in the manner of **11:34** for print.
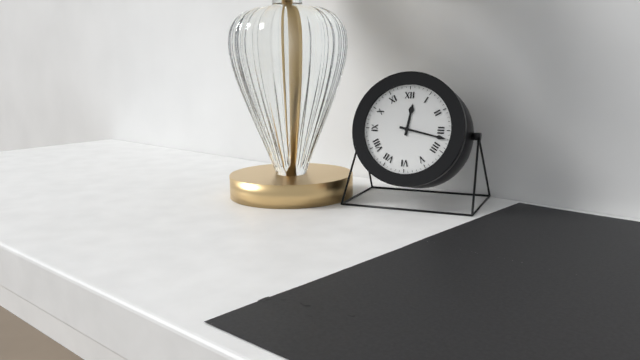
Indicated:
**12:17**
